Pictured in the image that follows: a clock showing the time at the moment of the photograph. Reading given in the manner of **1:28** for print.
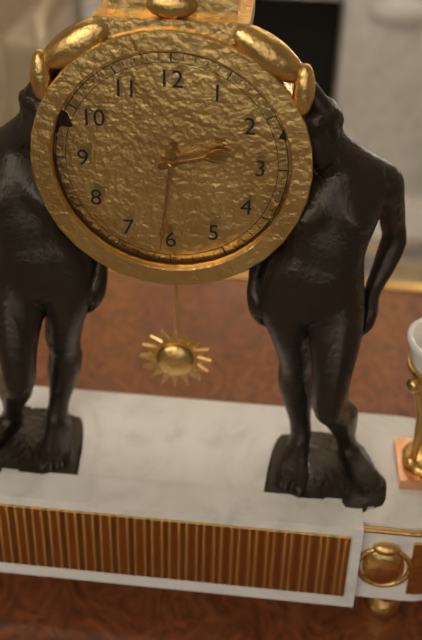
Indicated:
**2:31**
